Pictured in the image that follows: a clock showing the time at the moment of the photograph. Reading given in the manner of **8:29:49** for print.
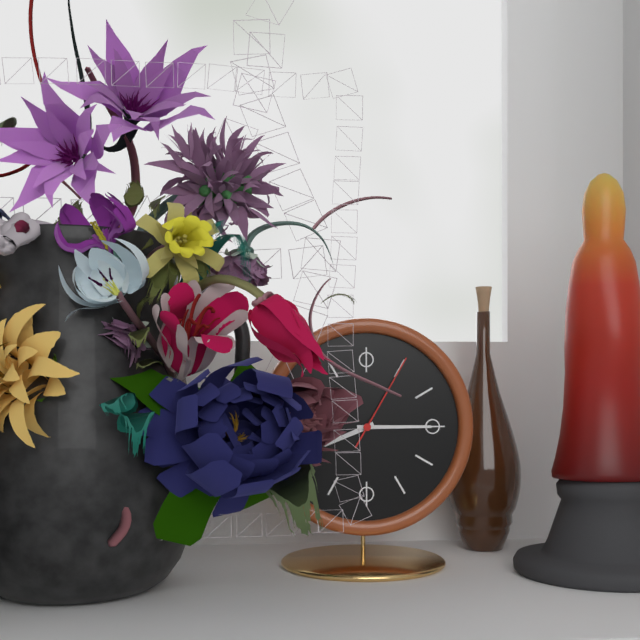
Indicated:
**8:15:05**
